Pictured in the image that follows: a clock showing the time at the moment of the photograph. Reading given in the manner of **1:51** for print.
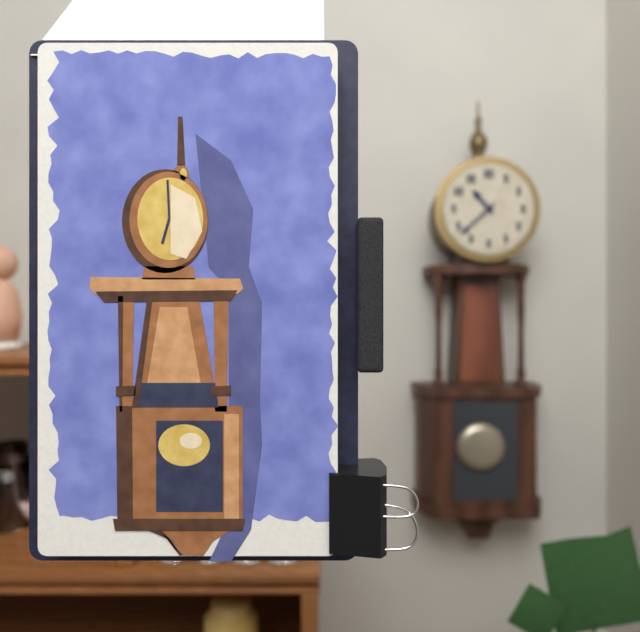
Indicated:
**10:38**
